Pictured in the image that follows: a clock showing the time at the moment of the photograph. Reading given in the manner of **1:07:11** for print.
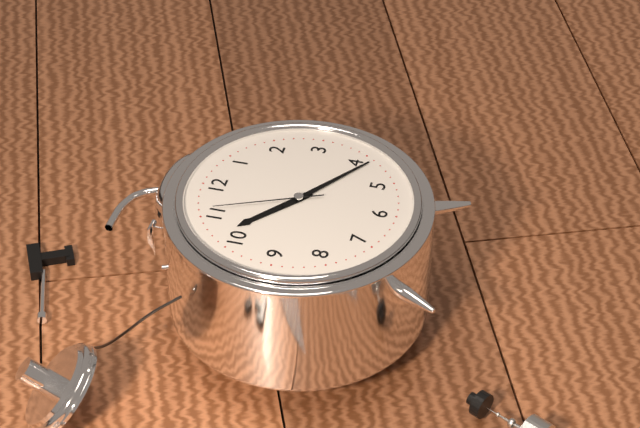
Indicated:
**10:21:56**
